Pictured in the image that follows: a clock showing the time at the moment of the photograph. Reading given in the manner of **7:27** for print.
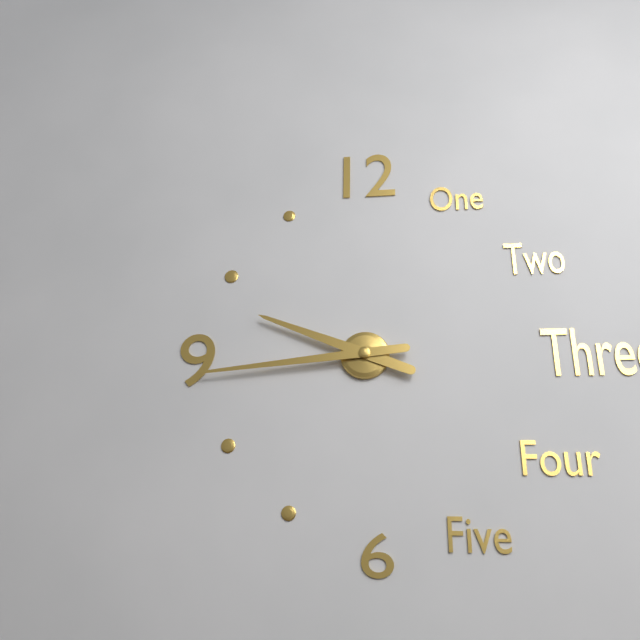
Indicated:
**9:44**
